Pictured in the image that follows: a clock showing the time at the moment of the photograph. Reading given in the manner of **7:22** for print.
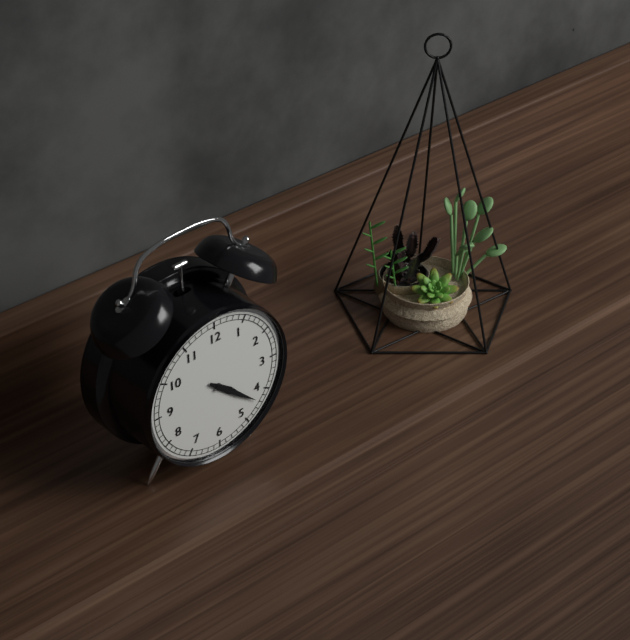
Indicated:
**4:22**
